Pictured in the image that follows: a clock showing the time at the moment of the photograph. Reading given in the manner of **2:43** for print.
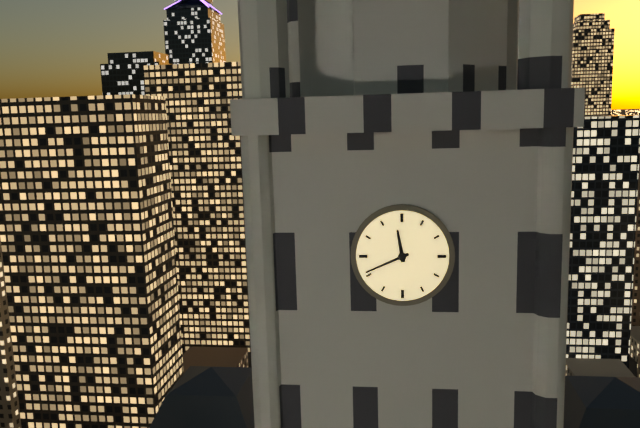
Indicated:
**11:41**
